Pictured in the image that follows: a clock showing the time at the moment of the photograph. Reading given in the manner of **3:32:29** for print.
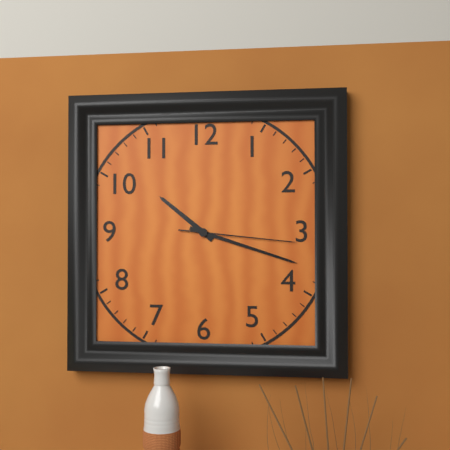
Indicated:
**10:18:16**
